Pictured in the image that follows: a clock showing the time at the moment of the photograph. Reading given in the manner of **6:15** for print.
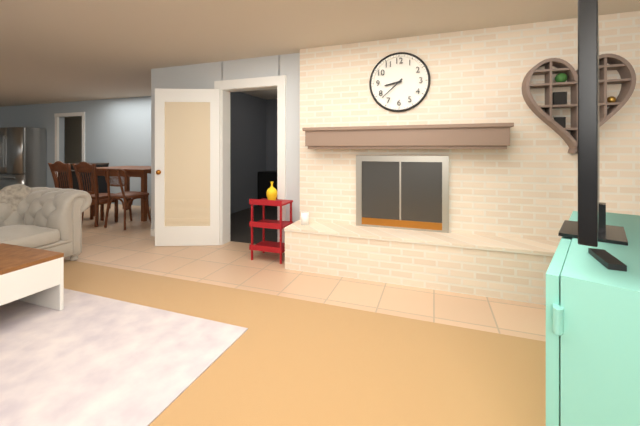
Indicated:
**8:38**
